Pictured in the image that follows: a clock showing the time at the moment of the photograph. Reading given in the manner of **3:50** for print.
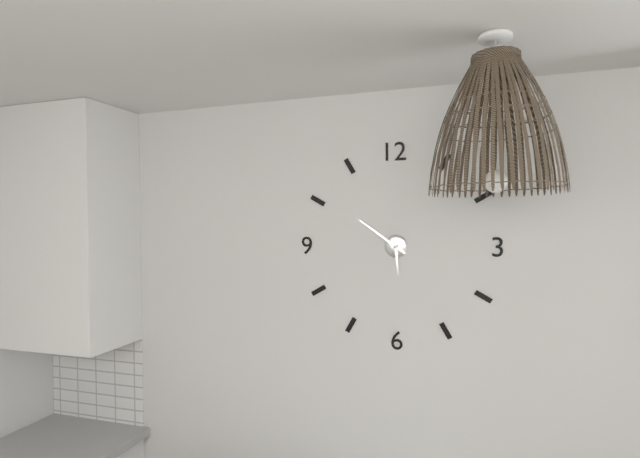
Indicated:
**5:51**
